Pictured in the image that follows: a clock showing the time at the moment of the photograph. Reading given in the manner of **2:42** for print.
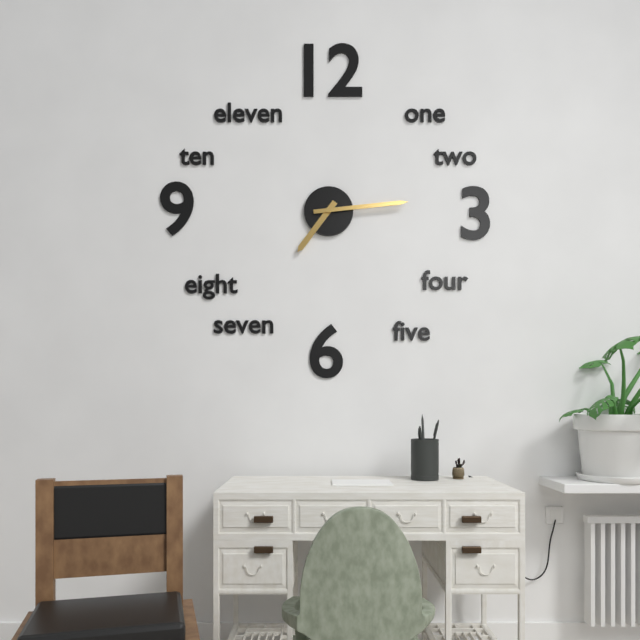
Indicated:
**7:14**
